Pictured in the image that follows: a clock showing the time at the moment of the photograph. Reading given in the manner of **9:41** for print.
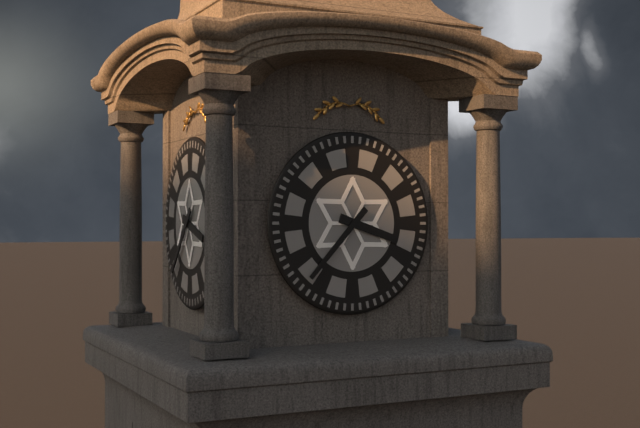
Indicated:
**3:37**
